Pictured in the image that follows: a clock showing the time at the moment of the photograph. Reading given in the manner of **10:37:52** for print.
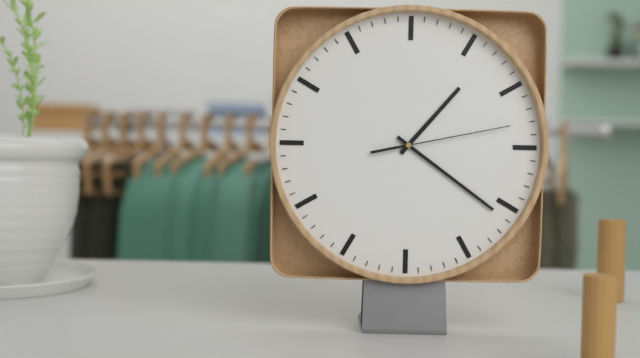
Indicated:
**1:21:13**
